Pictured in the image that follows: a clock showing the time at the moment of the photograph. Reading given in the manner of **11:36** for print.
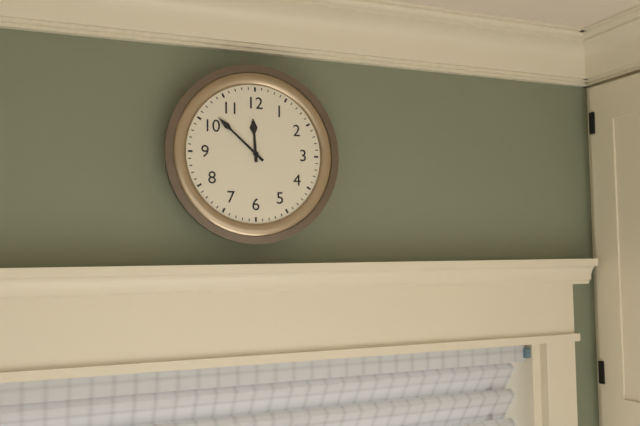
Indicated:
**11:52**
